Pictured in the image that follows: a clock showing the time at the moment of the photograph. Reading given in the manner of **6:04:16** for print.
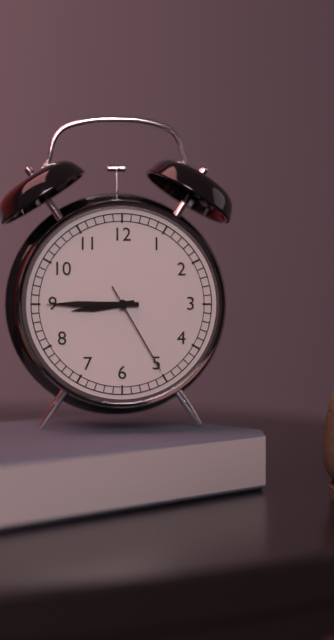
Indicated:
**8:45:25**
